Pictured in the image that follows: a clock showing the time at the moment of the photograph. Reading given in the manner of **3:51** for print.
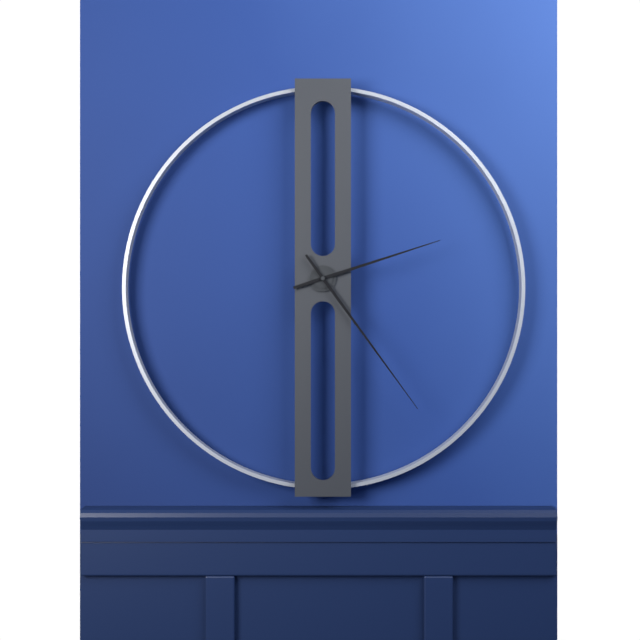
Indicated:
**2:24**
